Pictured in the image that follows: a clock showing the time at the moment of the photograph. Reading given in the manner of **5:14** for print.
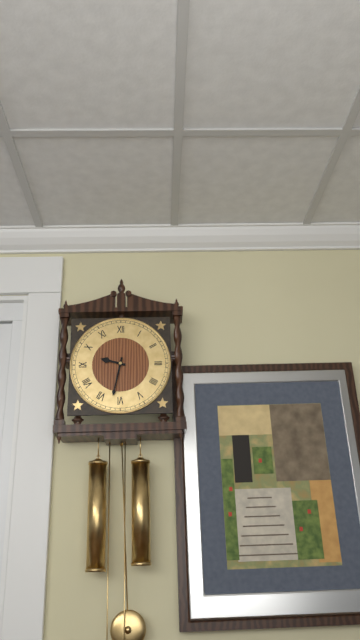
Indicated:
**9:32**
